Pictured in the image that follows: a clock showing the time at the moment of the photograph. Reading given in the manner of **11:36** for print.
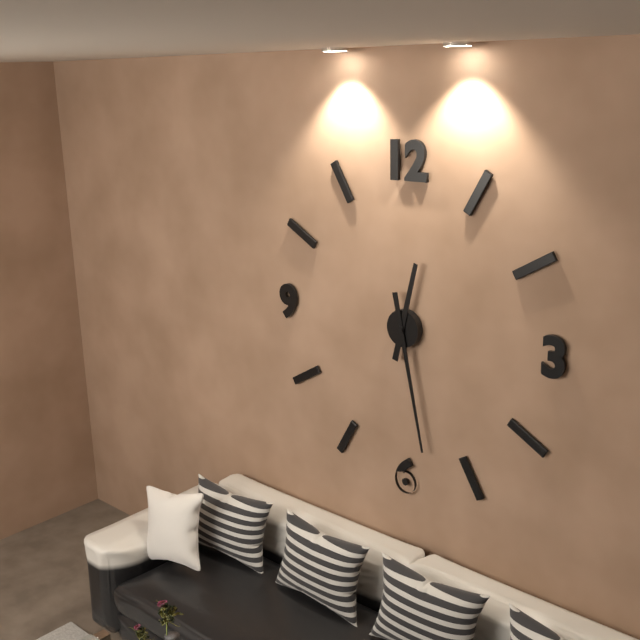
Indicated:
**12:28**
